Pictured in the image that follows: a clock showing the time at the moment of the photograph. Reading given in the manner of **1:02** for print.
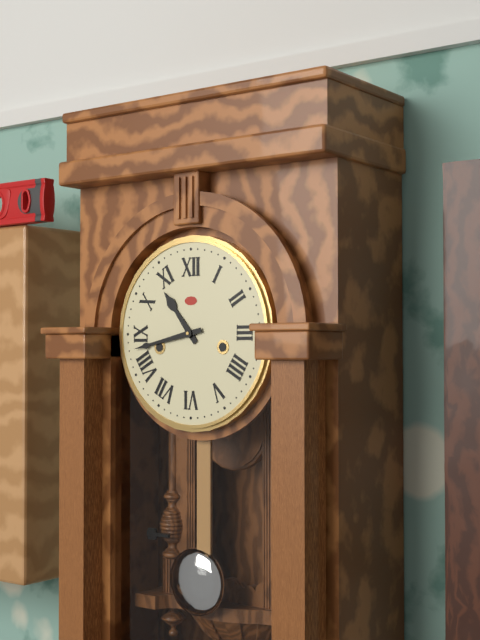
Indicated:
**10:43**
